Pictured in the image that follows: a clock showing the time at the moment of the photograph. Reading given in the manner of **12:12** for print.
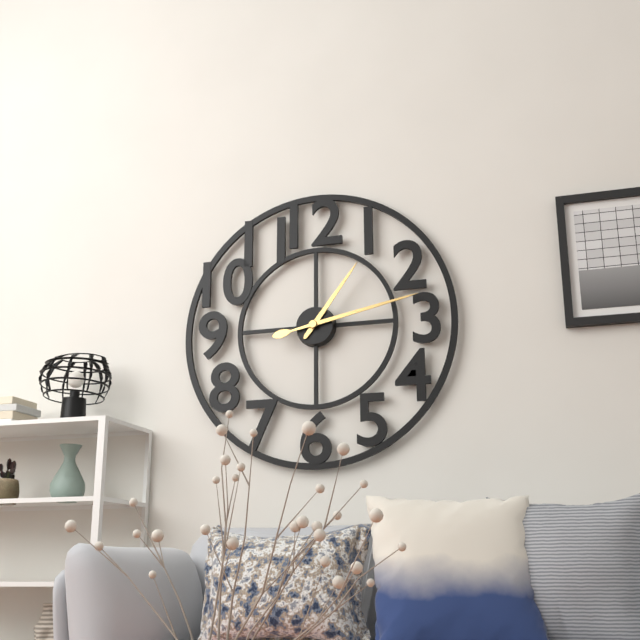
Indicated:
**1:13**
